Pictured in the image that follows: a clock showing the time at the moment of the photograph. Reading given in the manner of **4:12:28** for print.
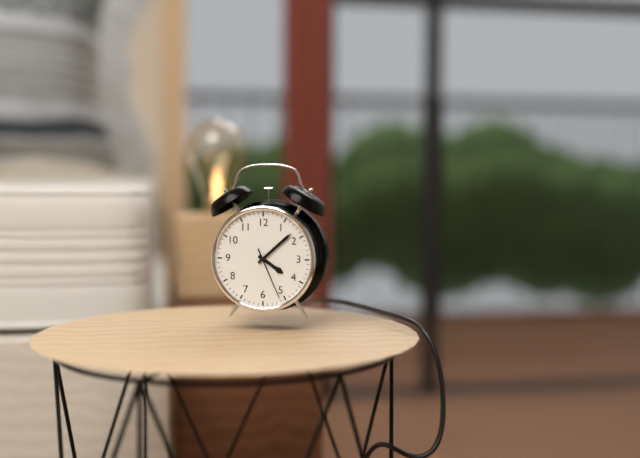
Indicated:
**4:08:26**
